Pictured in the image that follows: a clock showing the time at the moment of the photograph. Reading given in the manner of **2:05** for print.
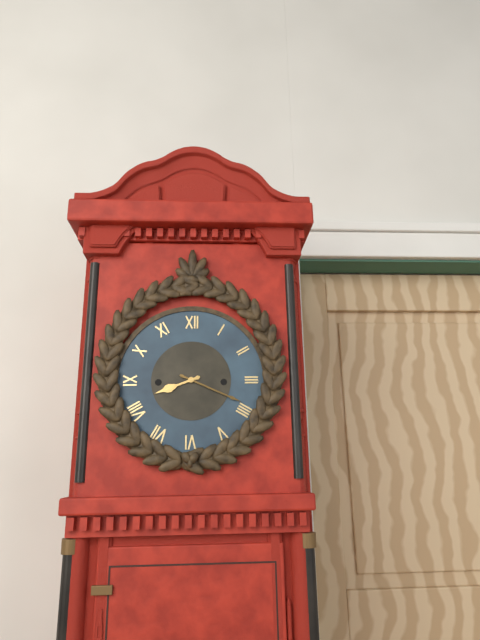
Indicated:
**8:19**
